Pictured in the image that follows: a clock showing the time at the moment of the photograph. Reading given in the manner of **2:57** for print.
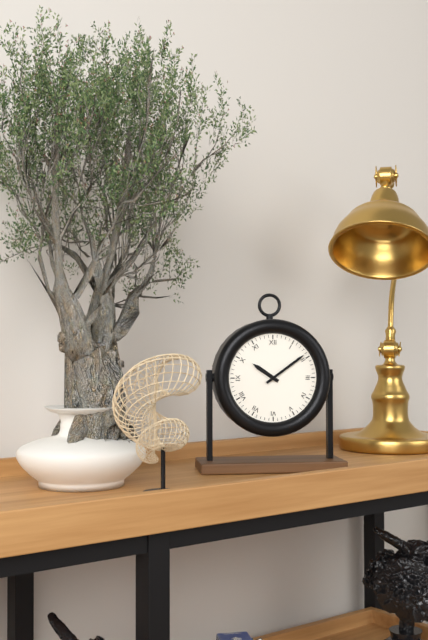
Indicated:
**10:09**
